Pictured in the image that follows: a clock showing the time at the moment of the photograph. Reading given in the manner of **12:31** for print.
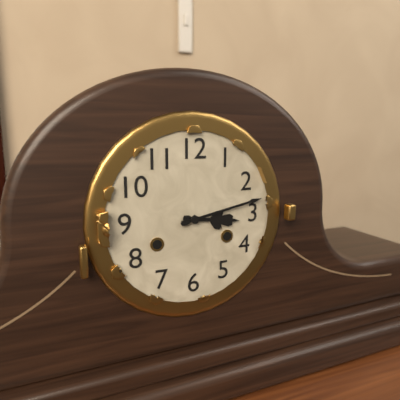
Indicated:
**3:13**
